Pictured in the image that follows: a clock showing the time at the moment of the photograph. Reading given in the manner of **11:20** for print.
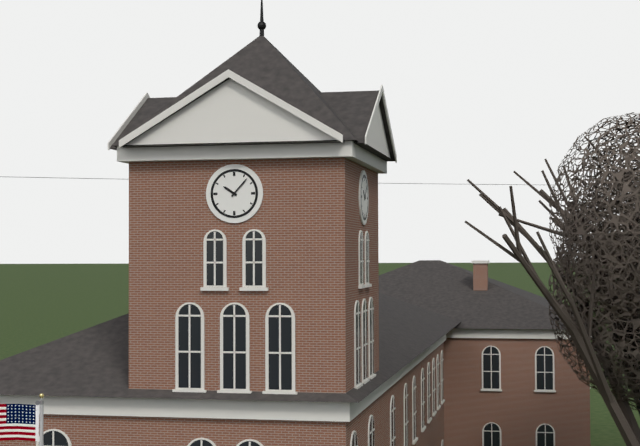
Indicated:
**10:07**
